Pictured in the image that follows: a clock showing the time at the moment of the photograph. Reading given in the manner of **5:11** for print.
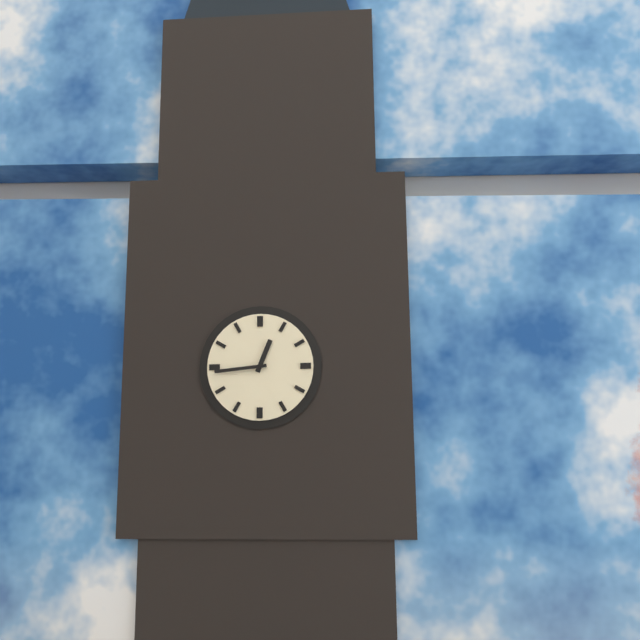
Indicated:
**12:44**
